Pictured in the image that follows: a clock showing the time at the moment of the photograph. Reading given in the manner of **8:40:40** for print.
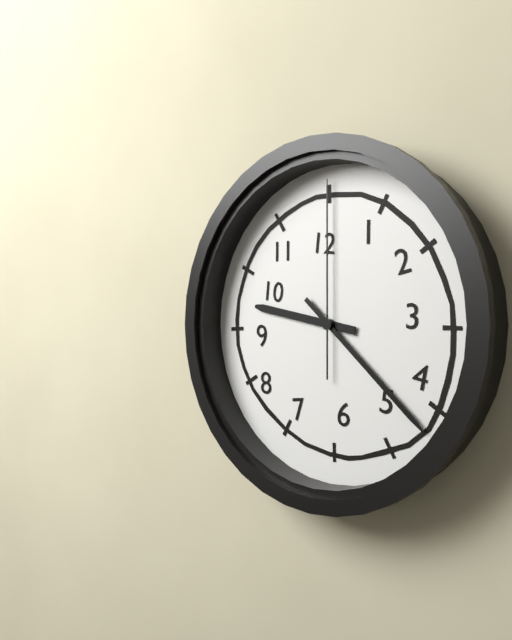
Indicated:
**9:22:00**
